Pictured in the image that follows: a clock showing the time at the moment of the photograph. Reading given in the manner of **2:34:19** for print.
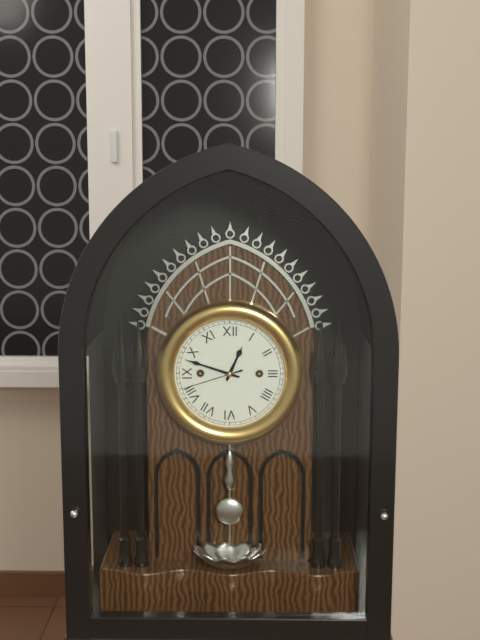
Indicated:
**12:48:42**
